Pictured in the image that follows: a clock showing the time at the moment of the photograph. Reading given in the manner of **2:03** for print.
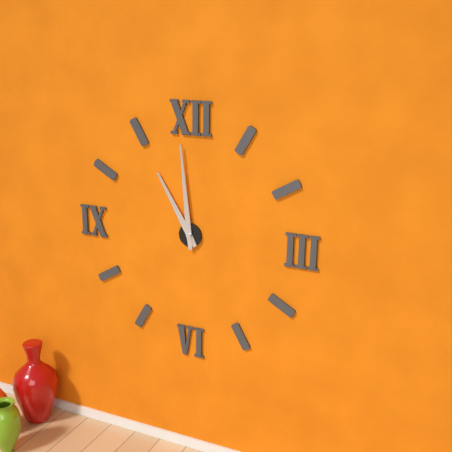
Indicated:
**10:59**
